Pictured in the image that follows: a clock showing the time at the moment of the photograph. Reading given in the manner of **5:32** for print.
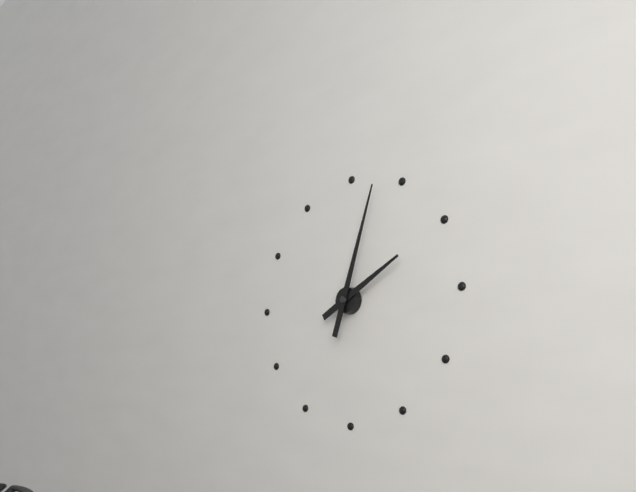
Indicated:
**2:03**
